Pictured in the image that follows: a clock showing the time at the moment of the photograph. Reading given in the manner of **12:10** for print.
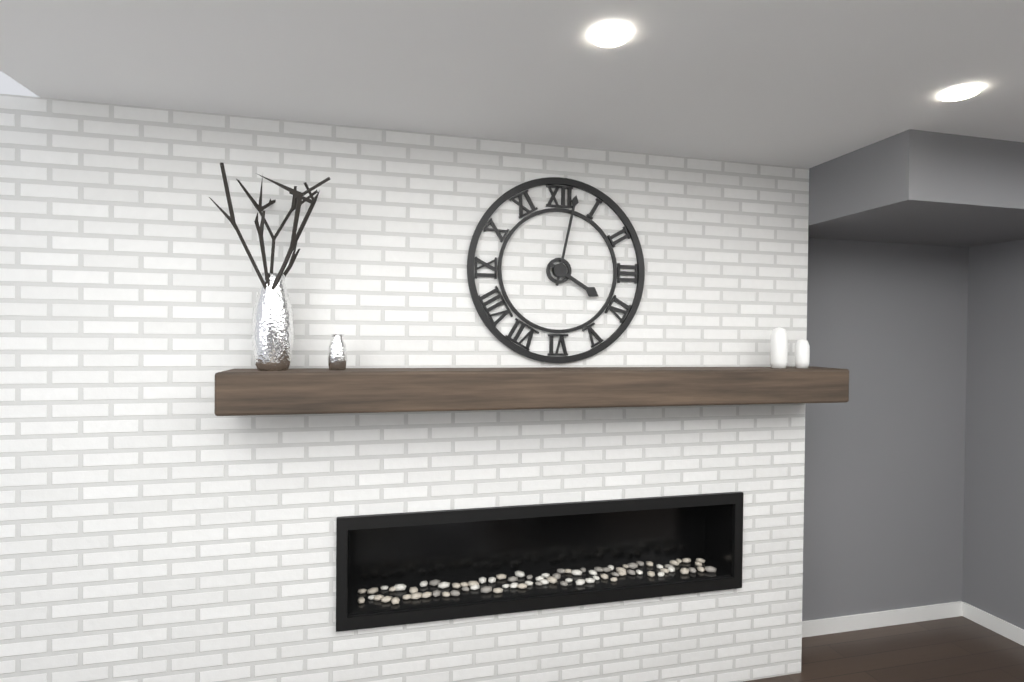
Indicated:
**4:02**
